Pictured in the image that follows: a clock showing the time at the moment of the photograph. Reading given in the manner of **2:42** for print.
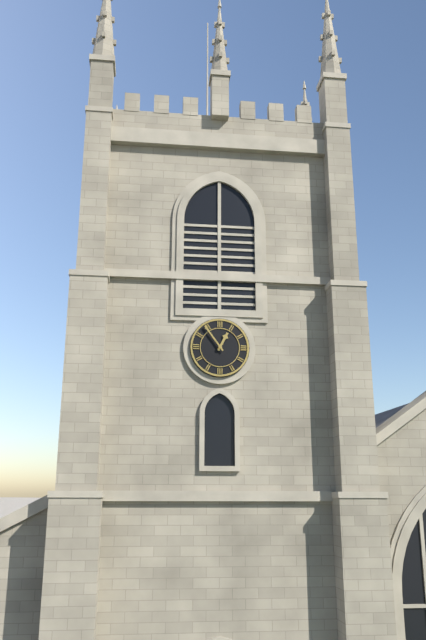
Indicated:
**12:54**
